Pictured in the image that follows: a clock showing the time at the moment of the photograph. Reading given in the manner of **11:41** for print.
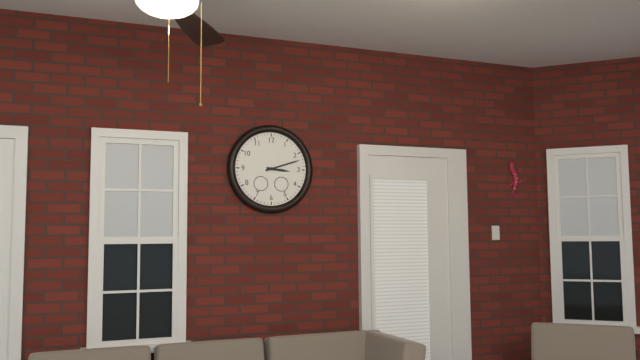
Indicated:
**3:12**
